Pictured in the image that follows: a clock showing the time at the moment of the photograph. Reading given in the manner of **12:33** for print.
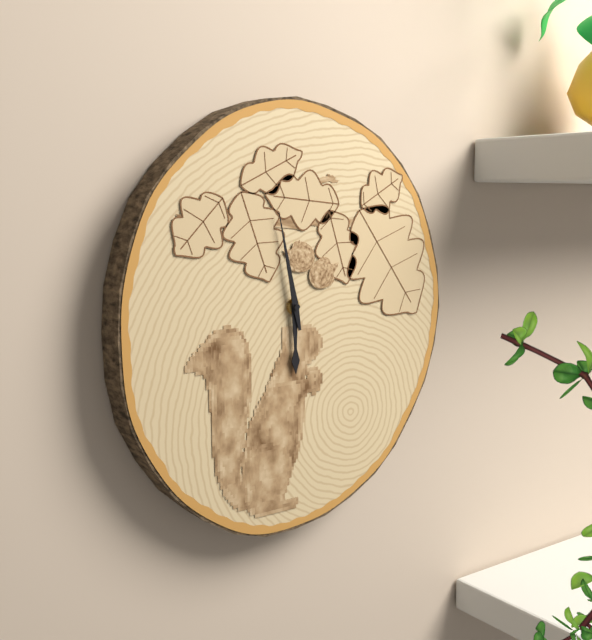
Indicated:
**5:58**
